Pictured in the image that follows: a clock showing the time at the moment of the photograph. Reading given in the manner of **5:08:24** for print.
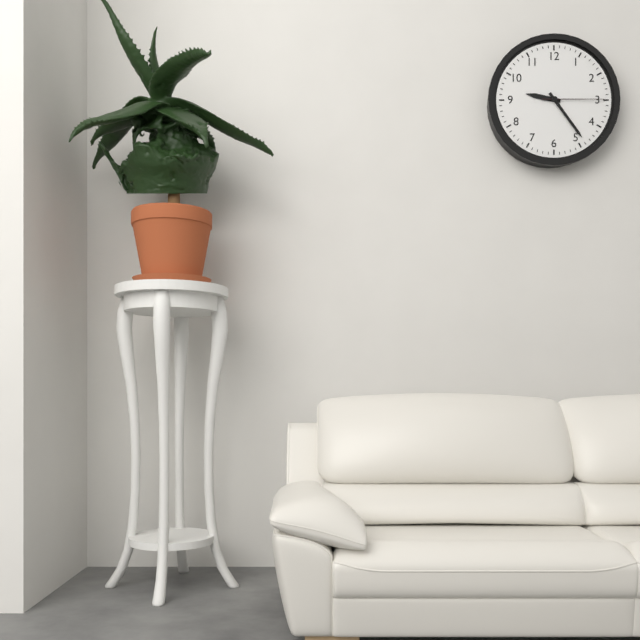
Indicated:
**9:24:15**
